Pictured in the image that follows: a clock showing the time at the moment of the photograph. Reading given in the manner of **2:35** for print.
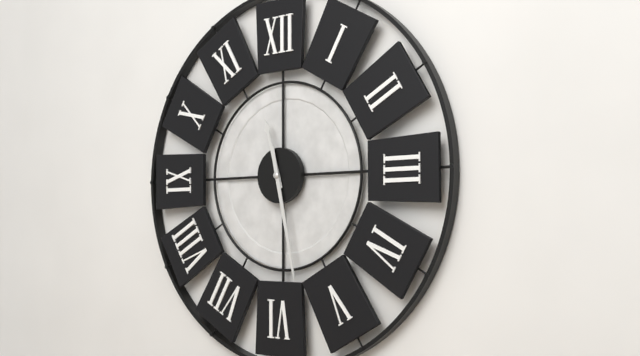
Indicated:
**11:28**
